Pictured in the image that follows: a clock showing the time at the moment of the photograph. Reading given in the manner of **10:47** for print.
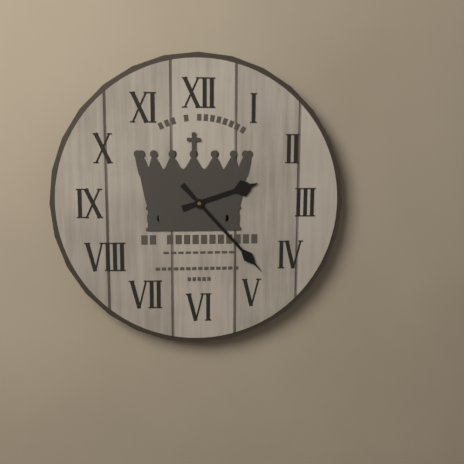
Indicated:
**2:23**
